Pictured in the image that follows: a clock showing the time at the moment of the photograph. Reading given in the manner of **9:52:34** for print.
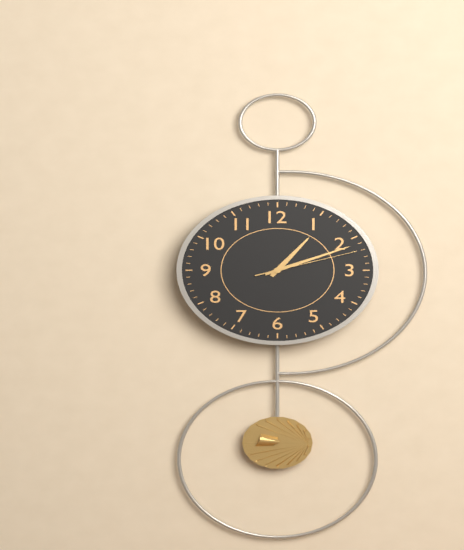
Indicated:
**1:11:12**
